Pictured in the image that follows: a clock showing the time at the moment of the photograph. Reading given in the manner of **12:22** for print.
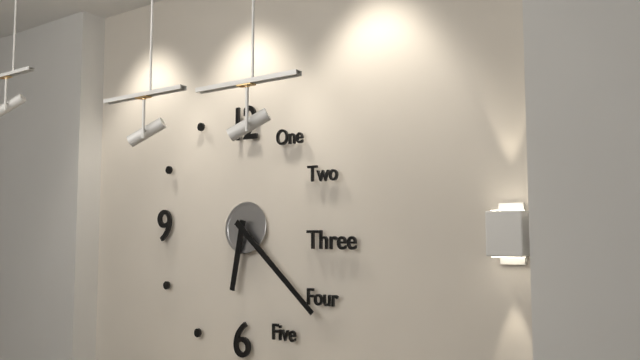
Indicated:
**6:22**
